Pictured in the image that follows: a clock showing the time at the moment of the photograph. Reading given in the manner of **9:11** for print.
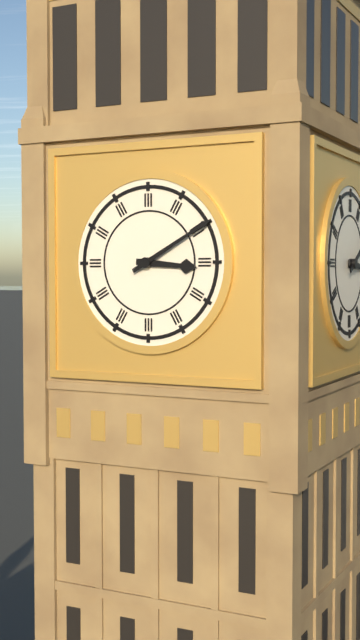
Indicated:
**3:10**
